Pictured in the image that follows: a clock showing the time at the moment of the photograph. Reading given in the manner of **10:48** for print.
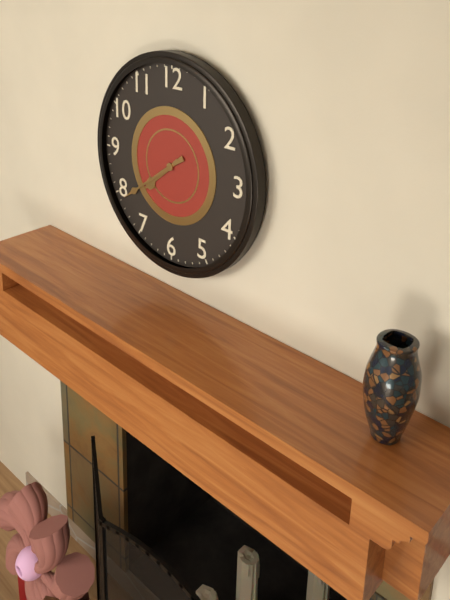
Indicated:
**7:39**
